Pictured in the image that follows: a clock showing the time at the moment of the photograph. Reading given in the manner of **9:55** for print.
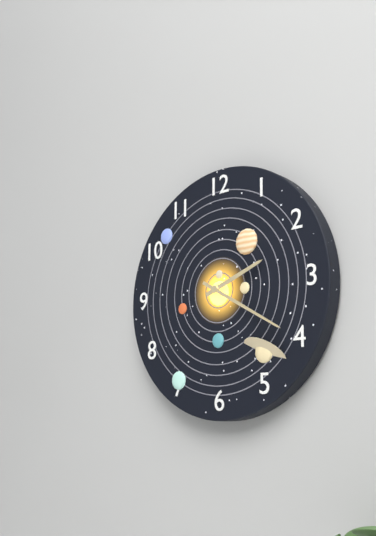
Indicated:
**2:20**
